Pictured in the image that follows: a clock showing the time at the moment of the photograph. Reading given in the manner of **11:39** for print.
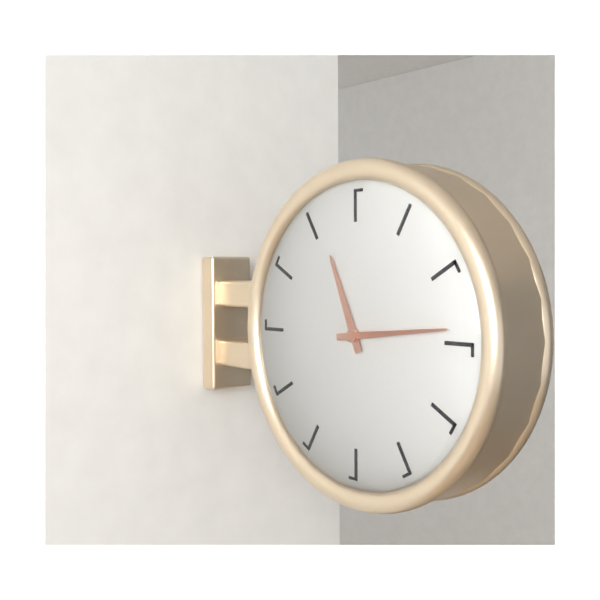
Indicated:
**11:14**
